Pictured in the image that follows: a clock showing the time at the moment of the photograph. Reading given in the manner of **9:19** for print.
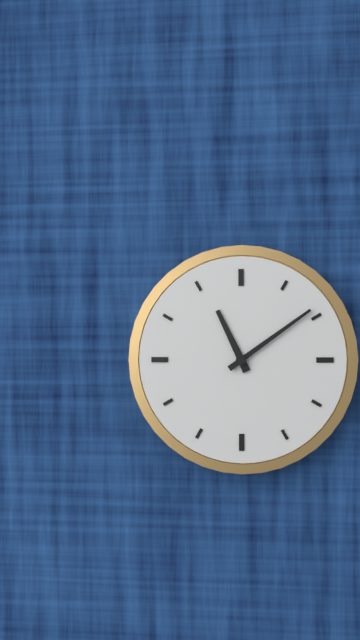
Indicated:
**11:09**
